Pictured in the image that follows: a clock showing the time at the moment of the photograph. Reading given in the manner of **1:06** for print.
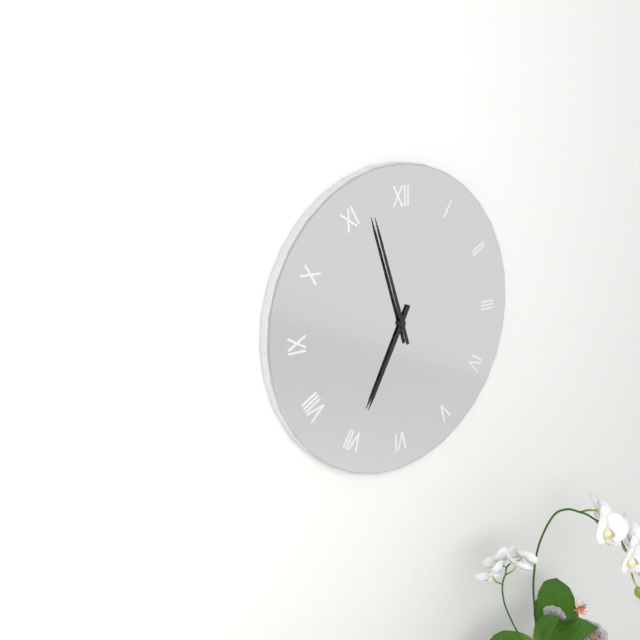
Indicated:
**6:57**
